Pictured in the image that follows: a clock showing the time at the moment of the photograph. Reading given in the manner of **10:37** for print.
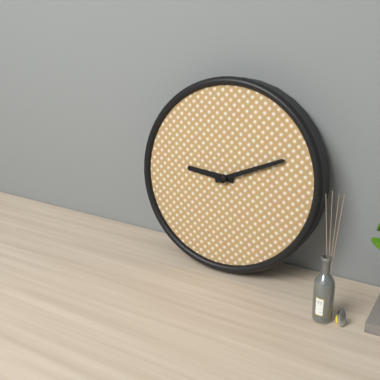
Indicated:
**9:11**
